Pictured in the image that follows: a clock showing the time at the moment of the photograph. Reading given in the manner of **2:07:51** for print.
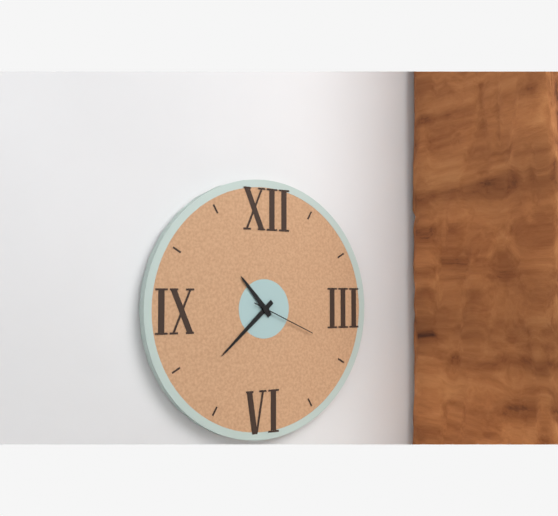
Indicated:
**10:38:19**
